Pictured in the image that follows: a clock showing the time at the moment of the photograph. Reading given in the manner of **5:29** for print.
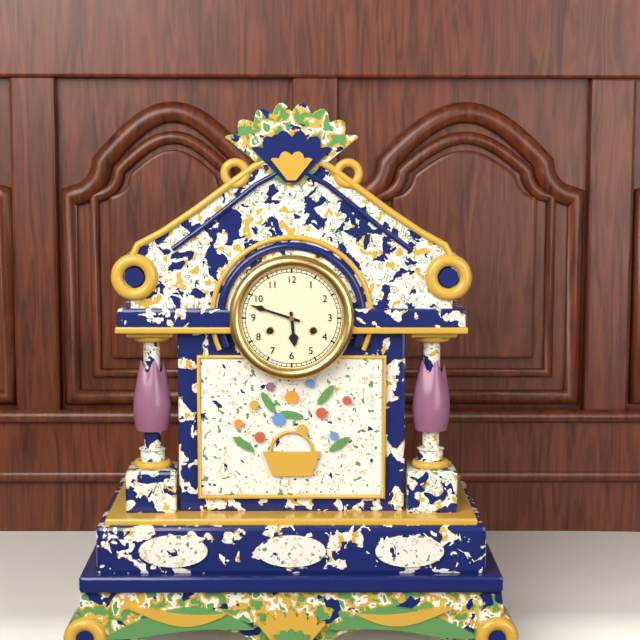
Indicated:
**5:48**
